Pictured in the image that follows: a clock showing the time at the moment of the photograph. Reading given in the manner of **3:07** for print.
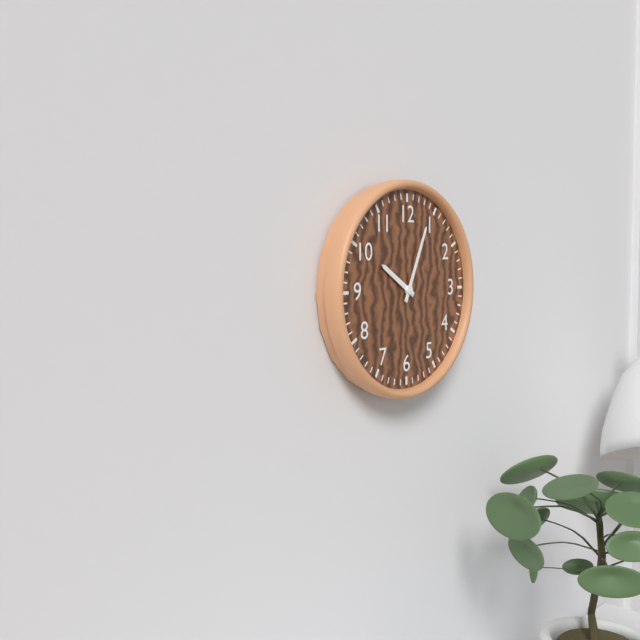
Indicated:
**10:04**
